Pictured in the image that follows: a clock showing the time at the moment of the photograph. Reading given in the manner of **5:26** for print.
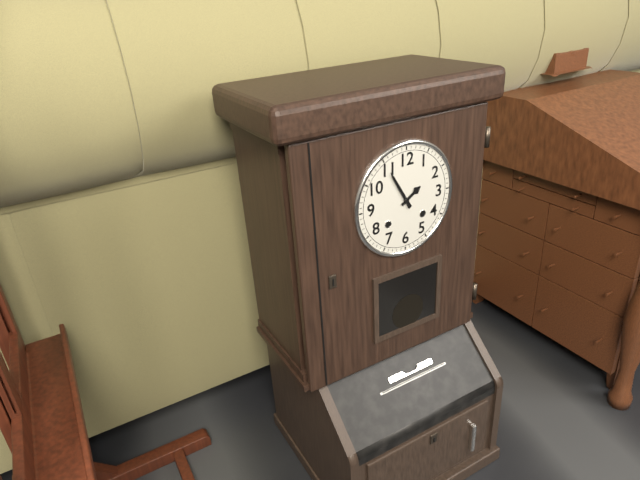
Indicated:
**1:55**
